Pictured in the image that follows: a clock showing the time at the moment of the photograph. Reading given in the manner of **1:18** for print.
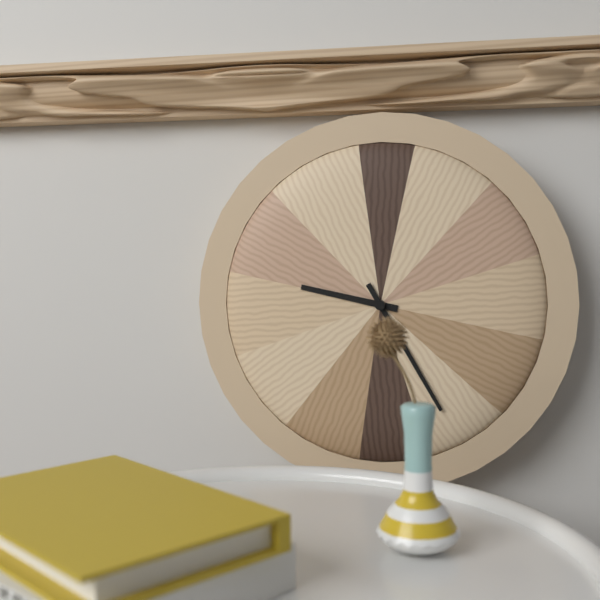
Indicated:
**9:25**
